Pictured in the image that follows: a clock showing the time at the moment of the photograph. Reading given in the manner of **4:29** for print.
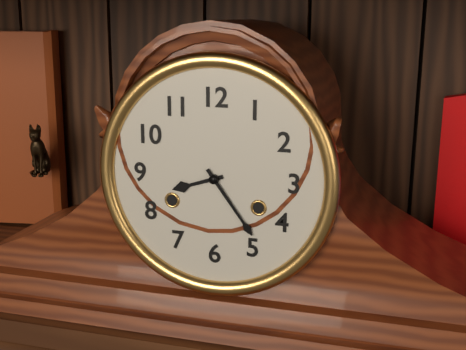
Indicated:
**8:24**
